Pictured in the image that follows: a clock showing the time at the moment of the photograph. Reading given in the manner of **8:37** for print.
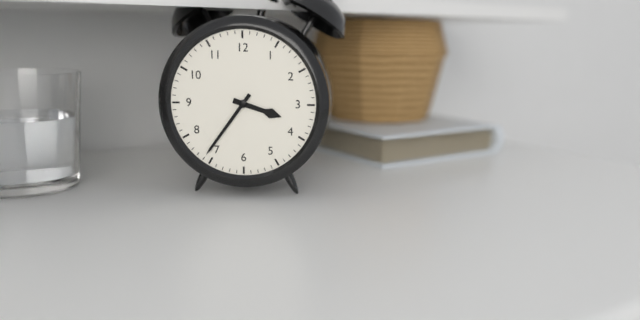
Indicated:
**3:36**
